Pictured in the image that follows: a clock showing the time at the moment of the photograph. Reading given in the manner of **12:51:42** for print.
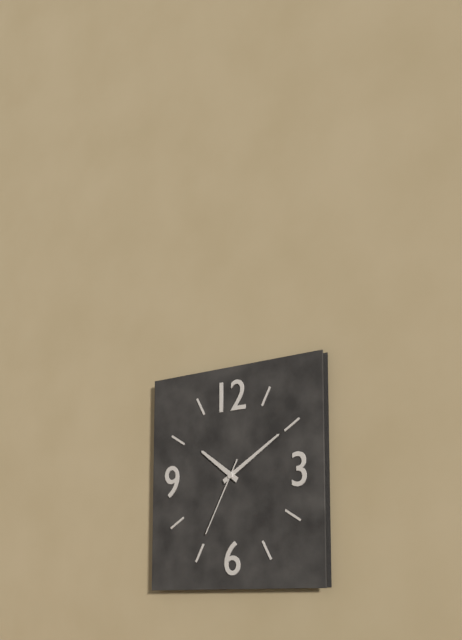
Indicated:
**10:10:35**
